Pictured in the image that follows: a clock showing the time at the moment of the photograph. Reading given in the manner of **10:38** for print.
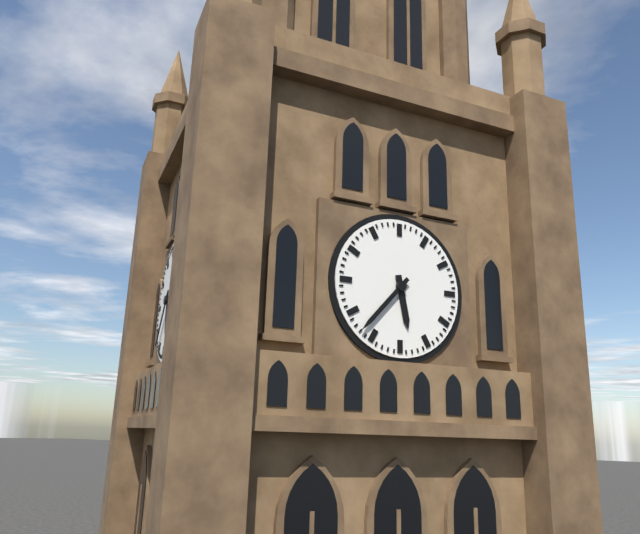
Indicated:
**5:37**
